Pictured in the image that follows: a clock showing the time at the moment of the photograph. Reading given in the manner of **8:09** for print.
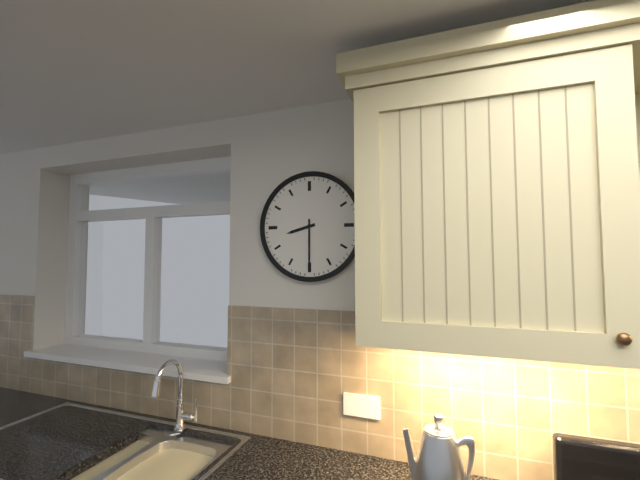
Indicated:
**8:30**
